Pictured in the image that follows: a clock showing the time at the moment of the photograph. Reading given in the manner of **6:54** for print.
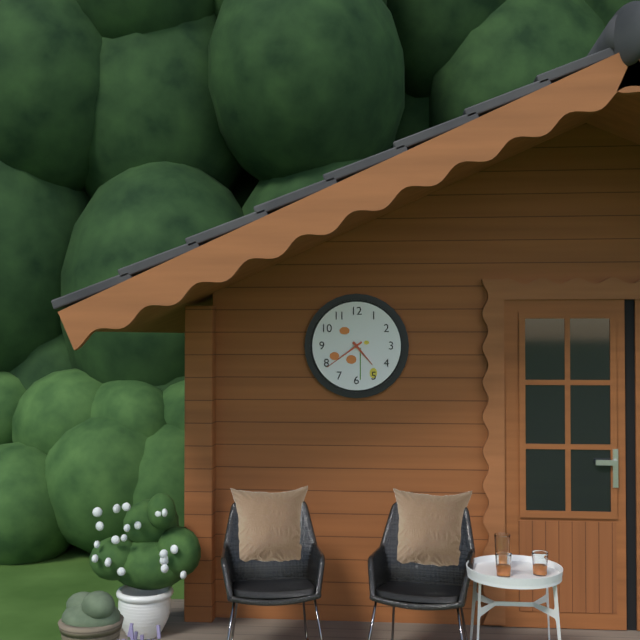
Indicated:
**4:39**
